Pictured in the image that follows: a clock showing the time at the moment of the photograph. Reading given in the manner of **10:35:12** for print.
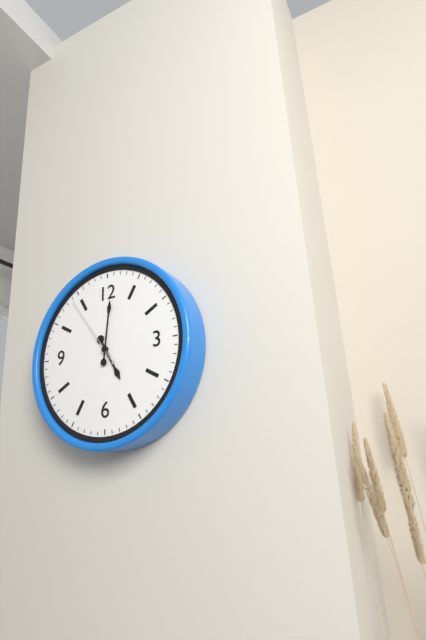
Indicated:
**5:01:54**
